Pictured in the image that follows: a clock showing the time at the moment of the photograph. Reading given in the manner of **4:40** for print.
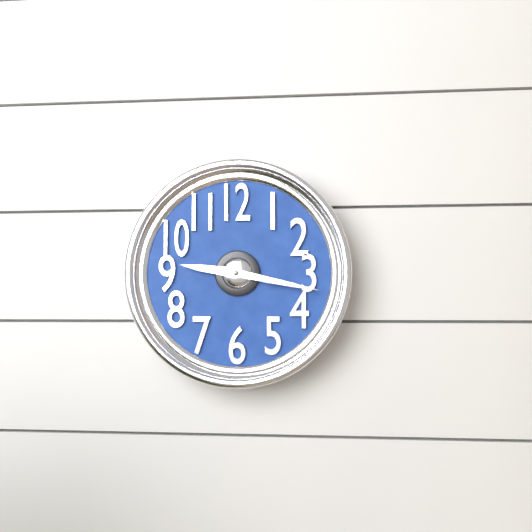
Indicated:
**9:17**
